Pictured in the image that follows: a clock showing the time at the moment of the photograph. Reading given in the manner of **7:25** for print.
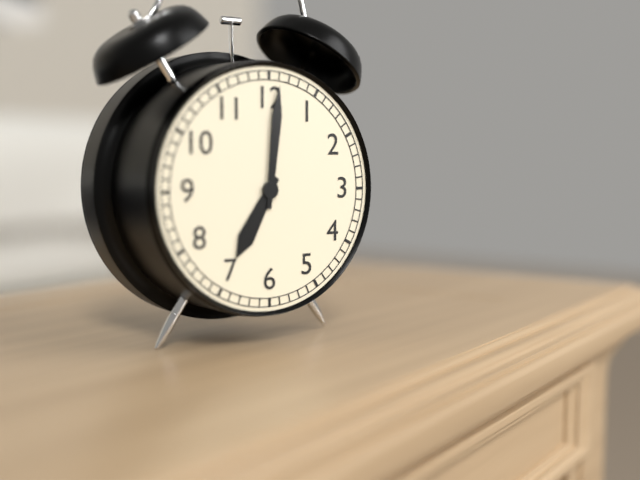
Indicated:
**7:01**
